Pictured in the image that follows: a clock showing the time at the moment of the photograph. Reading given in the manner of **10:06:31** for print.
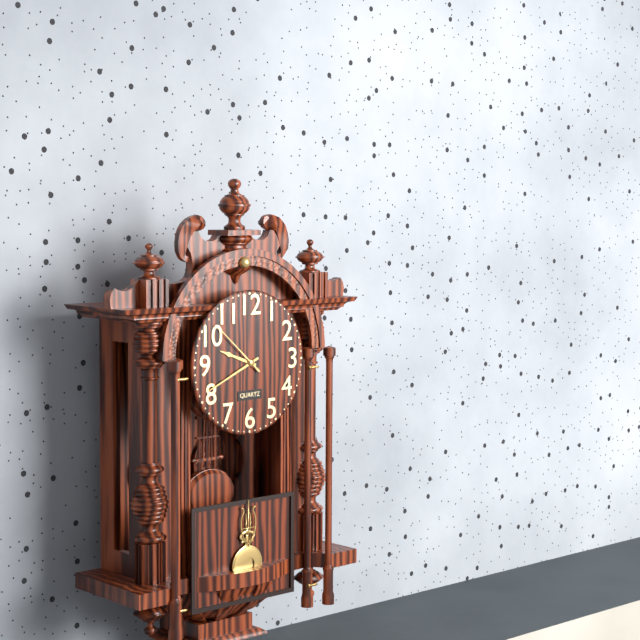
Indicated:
**9:41:52**
